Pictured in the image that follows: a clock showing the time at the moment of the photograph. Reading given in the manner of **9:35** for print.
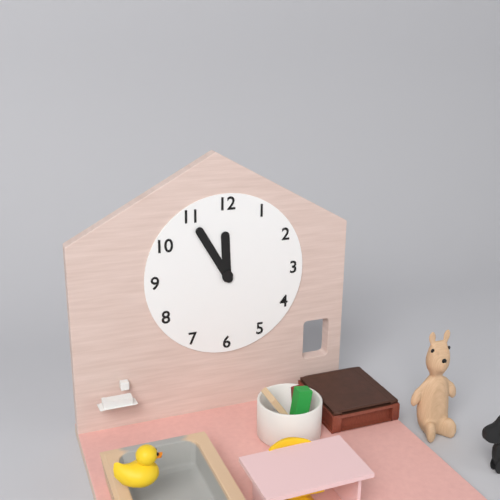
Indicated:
**11:55**
